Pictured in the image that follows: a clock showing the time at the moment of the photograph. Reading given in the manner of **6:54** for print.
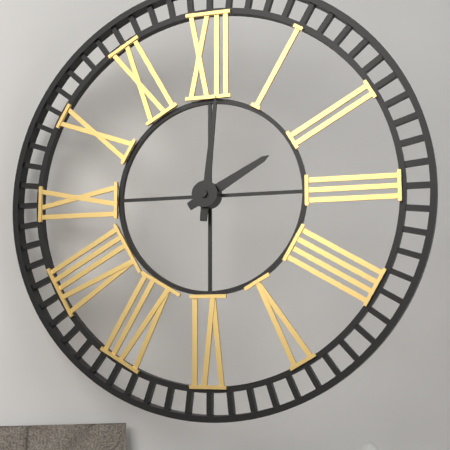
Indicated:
**2:01**
